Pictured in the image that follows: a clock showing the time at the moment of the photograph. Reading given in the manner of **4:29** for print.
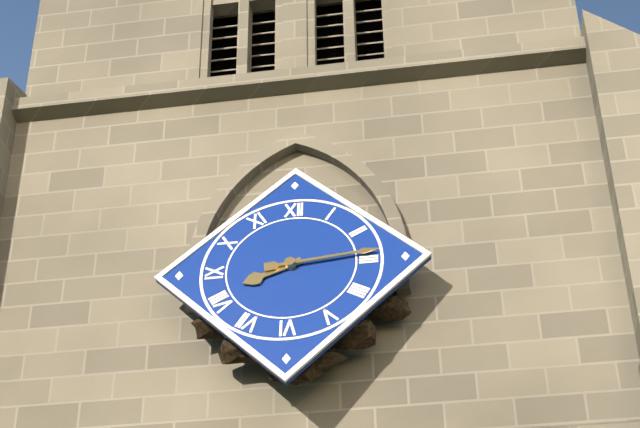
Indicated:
**8:14**
